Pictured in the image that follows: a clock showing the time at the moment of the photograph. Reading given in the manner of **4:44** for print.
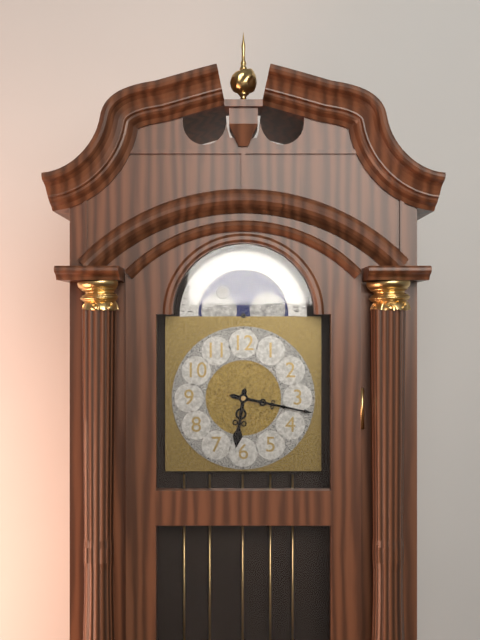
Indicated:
**6:17**
